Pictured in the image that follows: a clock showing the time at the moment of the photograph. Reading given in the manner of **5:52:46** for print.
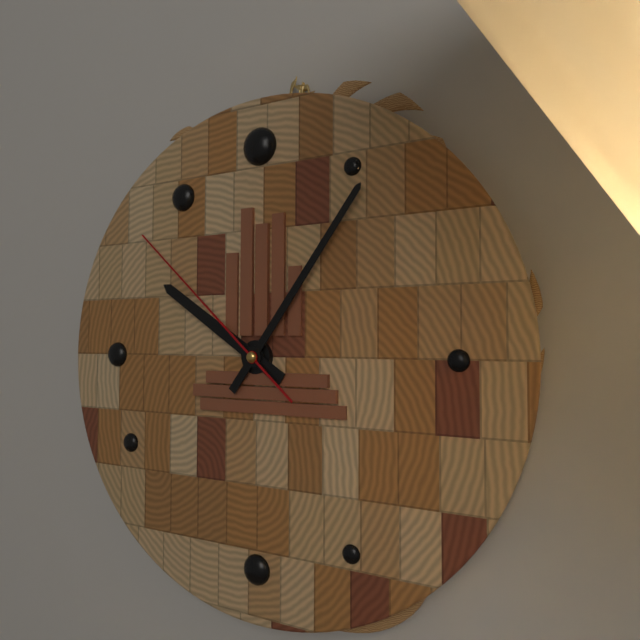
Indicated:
**10:06:52**
